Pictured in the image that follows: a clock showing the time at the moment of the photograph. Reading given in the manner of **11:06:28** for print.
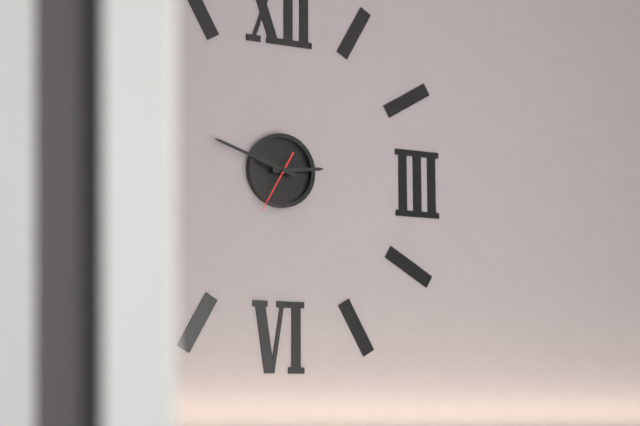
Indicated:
**2:48:35**
